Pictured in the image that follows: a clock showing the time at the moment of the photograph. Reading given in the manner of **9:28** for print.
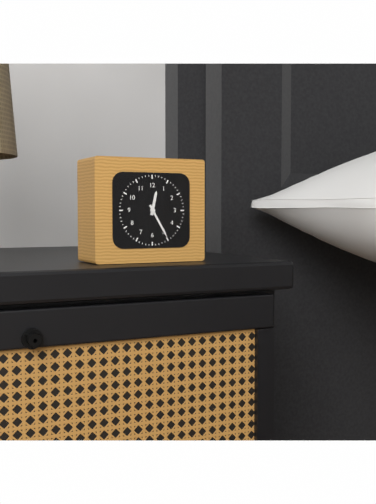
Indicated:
**12:25**
